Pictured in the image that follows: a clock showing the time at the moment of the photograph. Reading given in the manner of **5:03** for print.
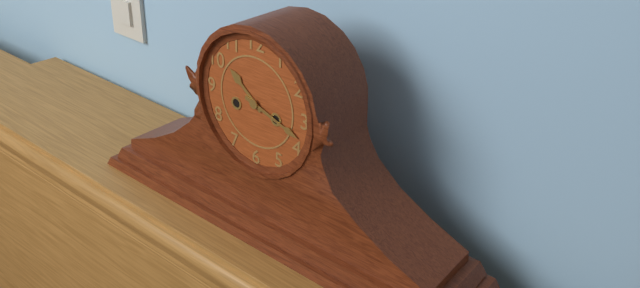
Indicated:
**10:18**
